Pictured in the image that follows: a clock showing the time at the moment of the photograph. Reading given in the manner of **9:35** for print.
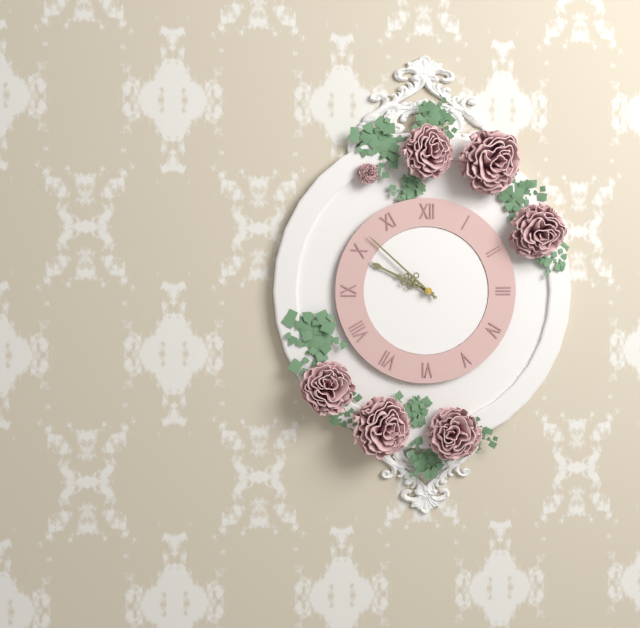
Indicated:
**9:52**
